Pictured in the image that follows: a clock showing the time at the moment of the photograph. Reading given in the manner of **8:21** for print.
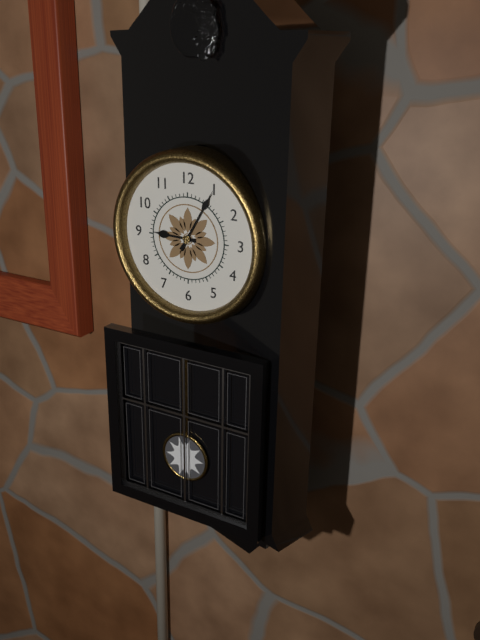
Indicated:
**9:05**
